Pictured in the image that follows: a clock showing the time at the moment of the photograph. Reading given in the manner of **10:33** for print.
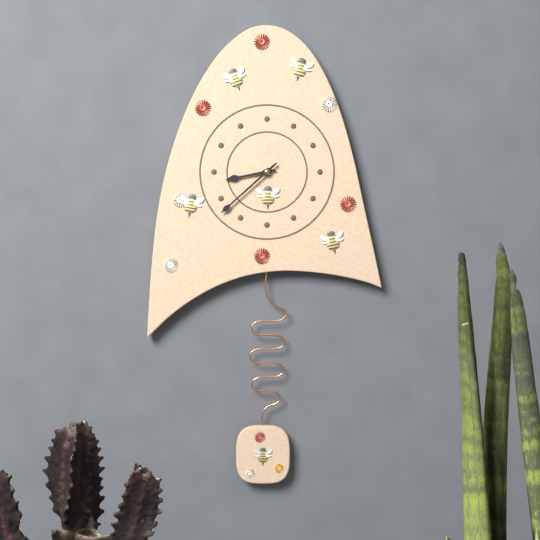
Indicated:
**8:38**
